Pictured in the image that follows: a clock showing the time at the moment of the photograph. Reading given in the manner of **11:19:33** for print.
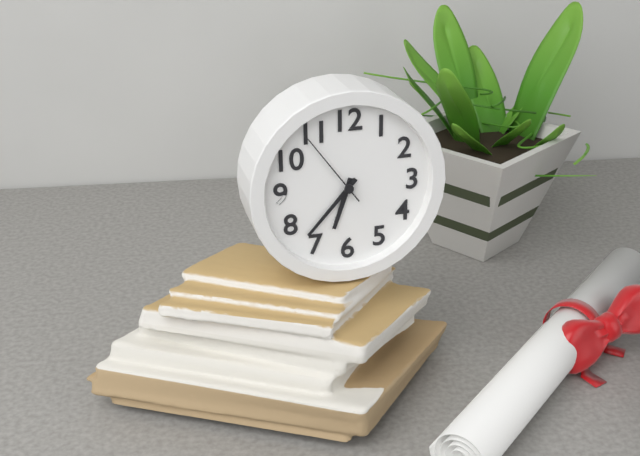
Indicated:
**6:37:54**
